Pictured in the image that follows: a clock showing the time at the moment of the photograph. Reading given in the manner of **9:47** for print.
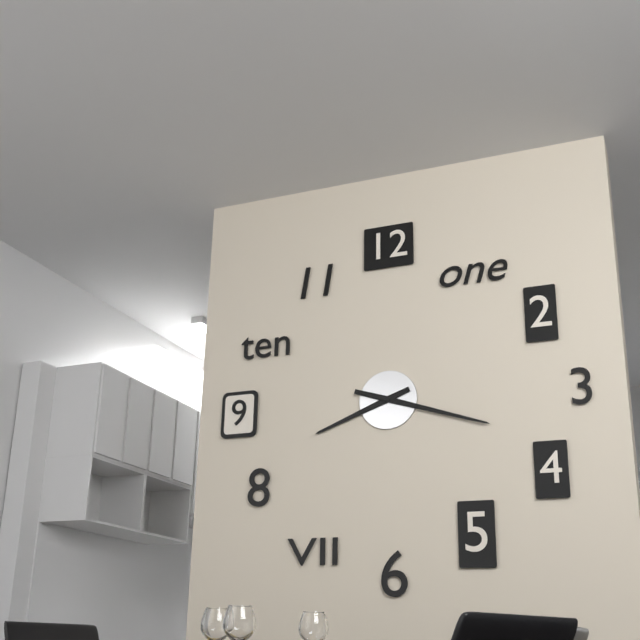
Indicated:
**8:18**
